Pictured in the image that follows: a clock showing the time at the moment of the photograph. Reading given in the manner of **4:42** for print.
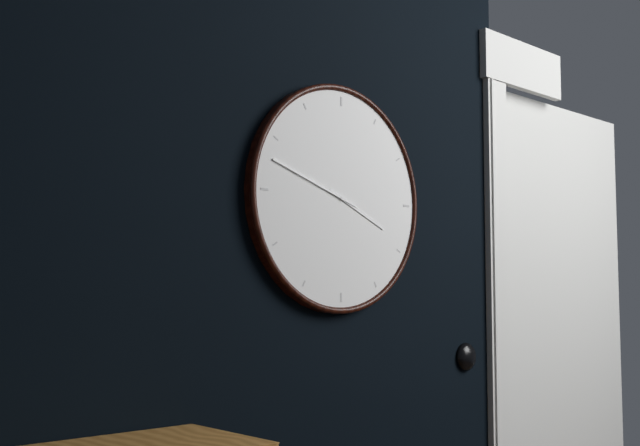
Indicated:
**3:48**
